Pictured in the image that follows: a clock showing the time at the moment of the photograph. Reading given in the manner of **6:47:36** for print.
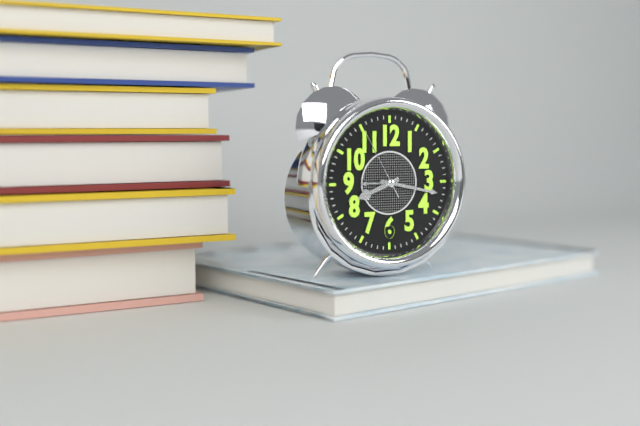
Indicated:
**8:17:55**
